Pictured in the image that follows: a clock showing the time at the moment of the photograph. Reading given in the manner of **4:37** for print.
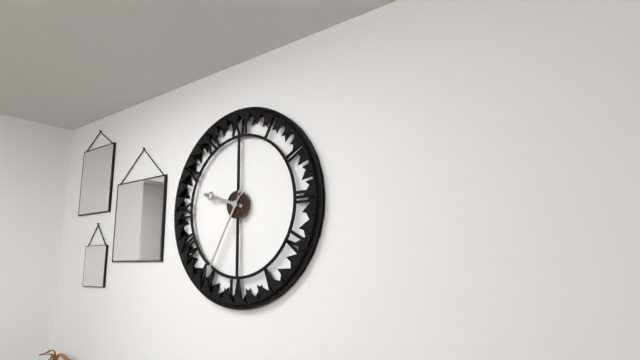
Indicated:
**9:35**
